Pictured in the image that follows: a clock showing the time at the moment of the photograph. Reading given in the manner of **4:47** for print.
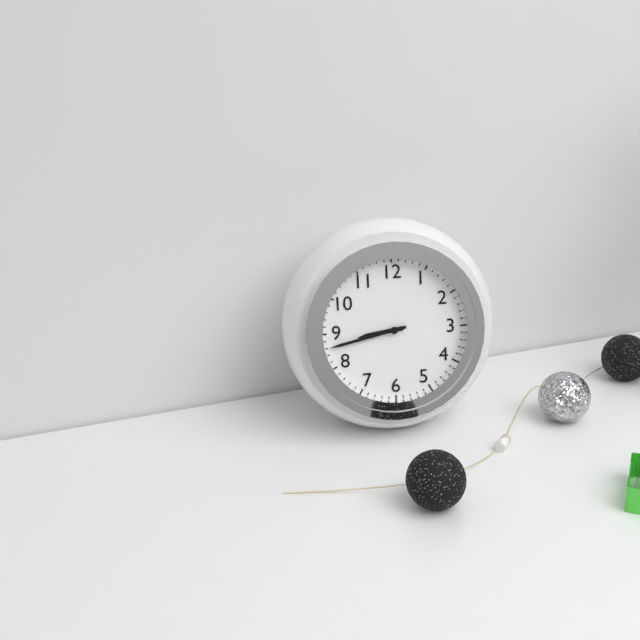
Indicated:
**8:43**
